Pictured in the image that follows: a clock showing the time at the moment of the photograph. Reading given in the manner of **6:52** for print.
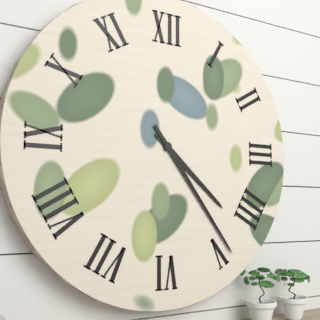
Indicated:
**4:24**
